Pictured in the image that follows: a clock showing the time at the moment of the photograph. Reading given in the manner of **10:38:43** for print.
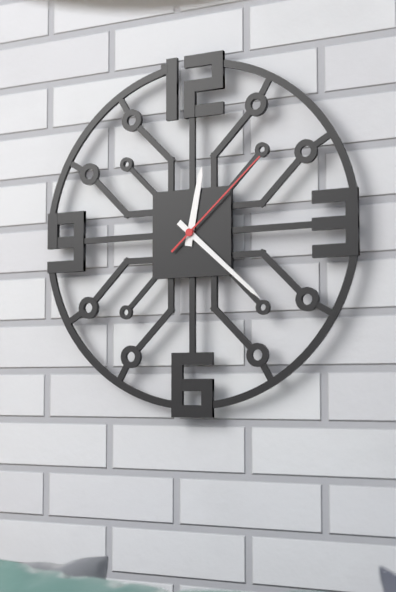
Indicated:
**12:22:08**
